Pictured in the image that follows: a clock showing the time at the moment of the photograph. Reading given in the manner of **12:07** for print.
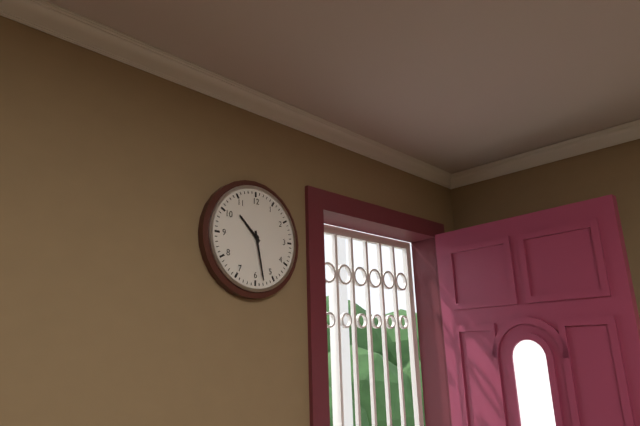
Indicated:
**10:28**
